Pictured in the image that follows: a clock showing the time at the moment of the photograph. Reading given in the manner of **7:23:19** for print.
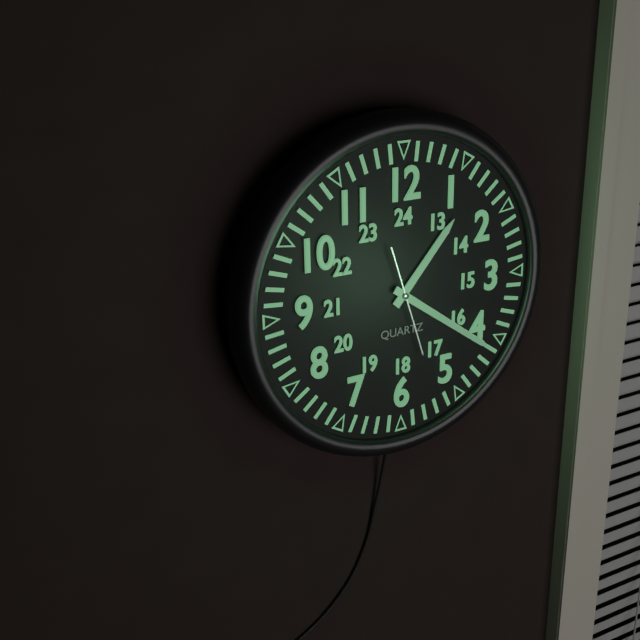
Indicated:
**1:21:27**
